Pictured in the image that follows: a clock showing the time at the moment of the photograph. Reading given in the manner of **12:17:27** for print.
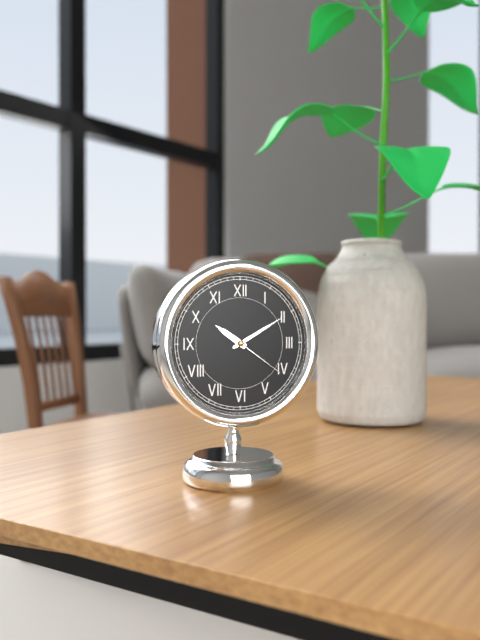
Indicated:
**10:10:21**
